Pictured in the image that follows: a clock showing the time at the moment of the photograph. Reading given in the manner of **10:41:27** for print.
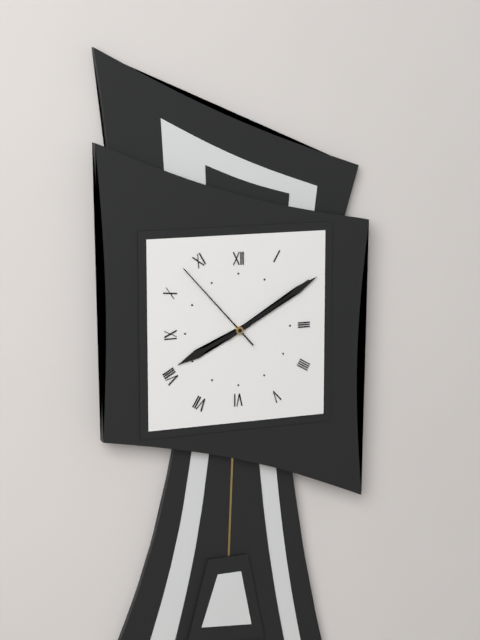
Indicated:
**8:10:53**
